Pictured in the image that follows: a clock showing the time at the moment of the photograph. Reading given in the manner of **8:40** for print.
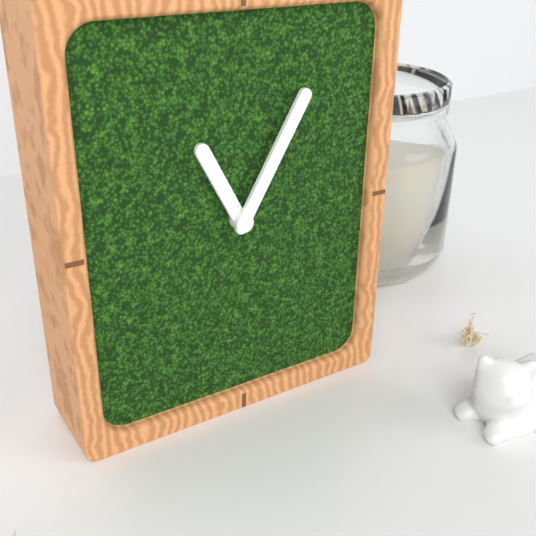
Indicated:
**11:05**
